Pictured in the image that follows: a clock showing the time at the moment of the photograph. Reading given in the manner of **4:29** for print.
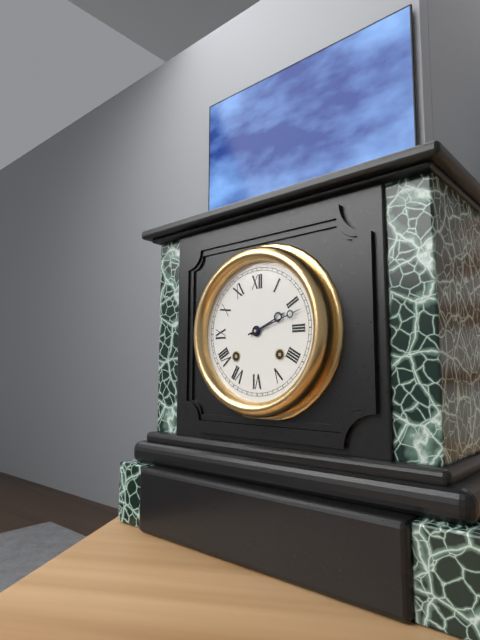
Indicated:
**2:12**
